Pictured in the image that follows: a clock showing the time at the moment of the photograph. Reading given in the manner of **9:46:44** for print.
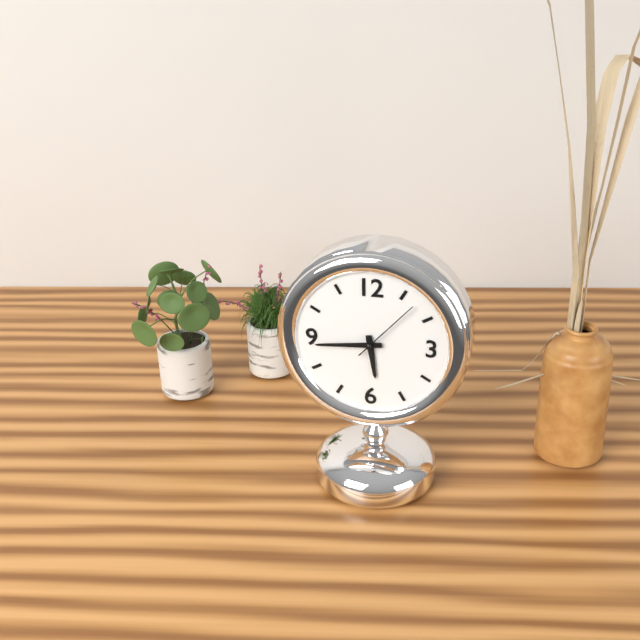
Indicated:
**5:44:07**
